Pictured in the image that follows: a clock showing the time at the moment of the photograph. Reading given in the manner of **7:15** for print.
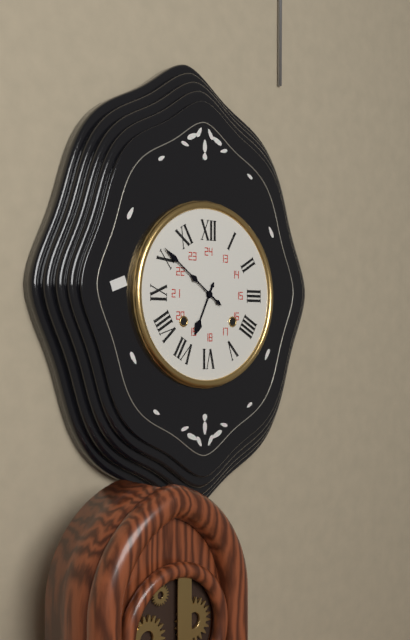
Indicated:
**6:51**
